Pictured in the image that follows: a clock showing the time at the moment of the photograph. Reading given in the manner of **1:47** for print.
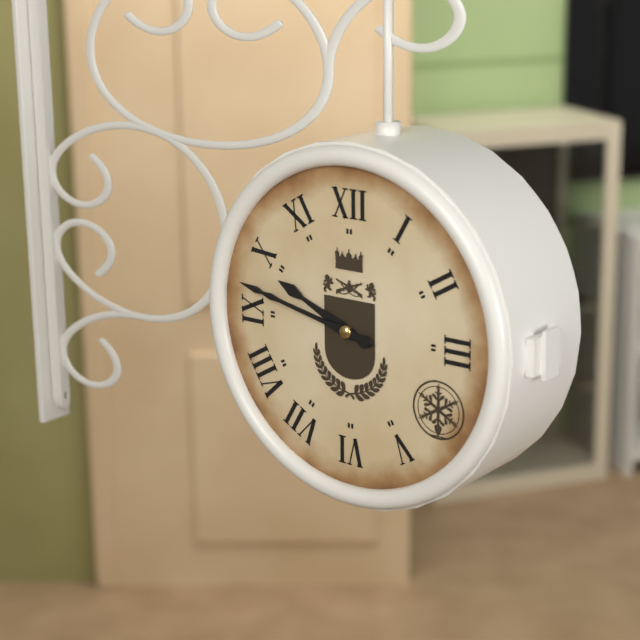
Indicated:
**9:47**
